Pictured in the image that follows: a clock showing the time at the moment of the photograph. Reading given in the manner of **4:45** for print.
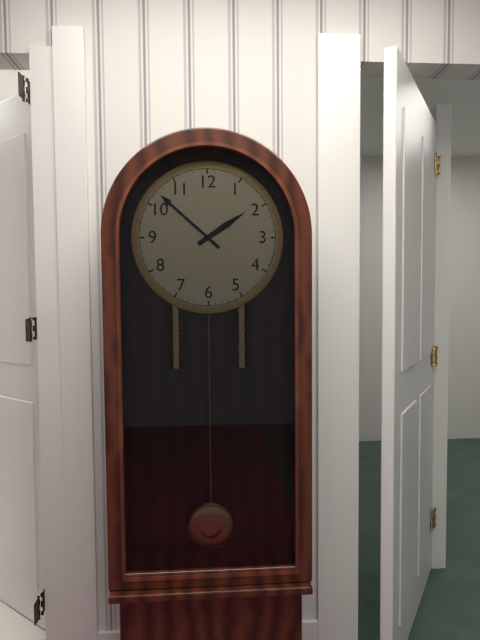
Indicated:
**1:52**
